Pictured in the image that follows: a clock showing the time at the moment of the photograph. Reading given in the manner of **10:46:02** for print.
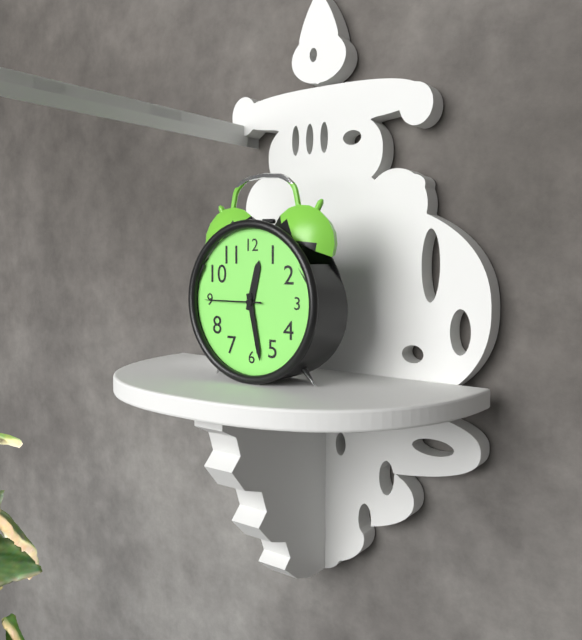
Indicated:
**12:28:45**
